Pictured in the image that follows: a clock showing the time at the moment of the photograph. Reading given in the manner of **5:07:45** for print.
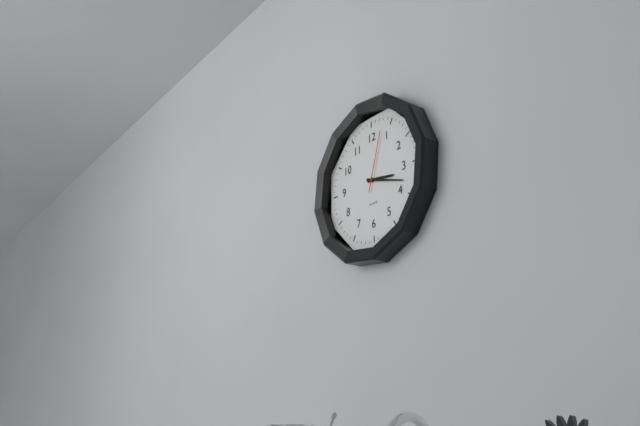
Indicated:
**3:18:03**
